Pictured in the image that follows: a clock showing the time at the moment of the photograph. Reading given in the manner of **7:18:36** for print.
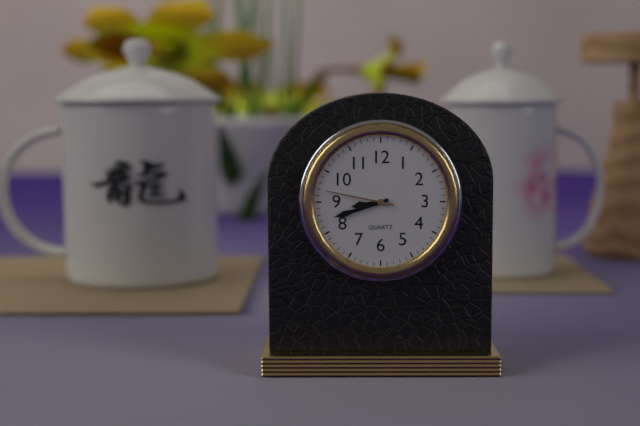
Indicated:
**8:42:47**
